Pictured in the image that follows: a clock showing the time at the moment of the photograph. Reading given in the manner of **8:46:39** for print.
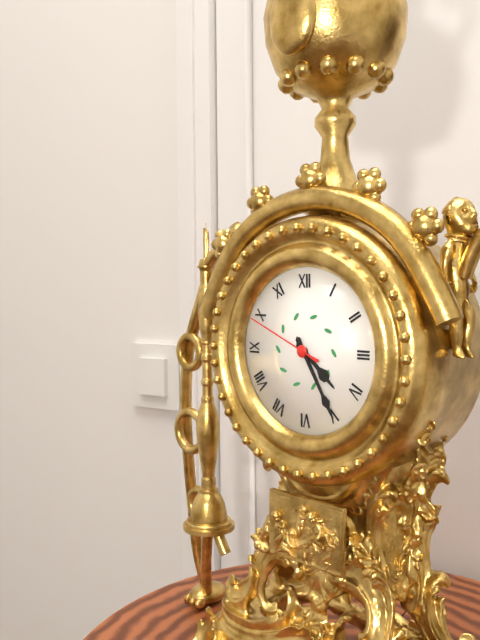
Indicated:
**4:25:49**
